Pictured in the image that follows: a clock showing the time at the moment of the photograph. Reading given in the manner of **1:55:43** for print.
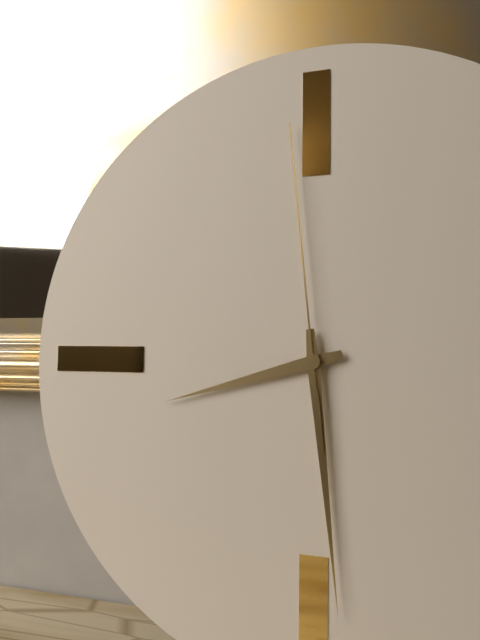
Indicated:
**8:29:59**
